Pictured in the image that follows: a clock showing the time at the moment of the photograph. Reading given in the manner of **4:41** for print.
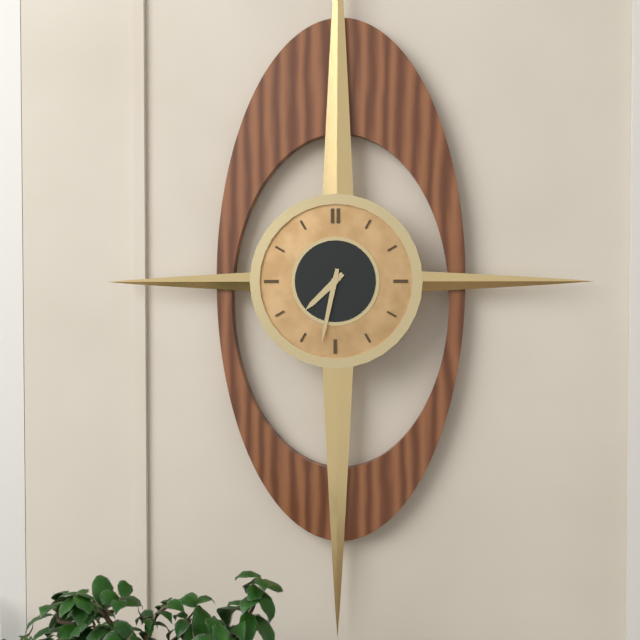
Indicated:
**7:32**
